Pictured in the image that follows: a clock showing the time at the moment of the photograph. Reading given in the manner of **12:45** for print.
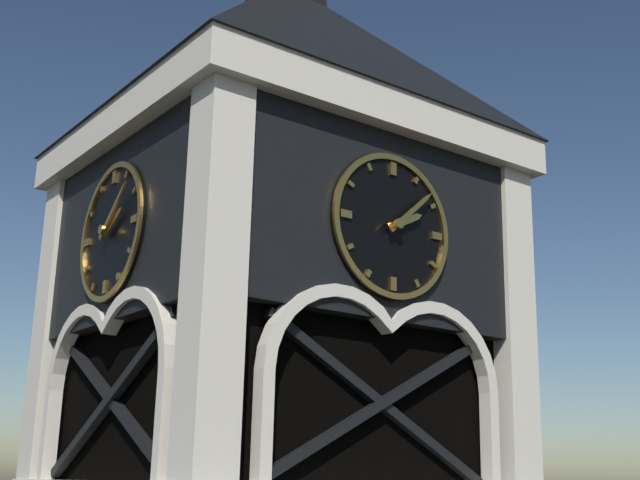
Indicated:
**2:08**
